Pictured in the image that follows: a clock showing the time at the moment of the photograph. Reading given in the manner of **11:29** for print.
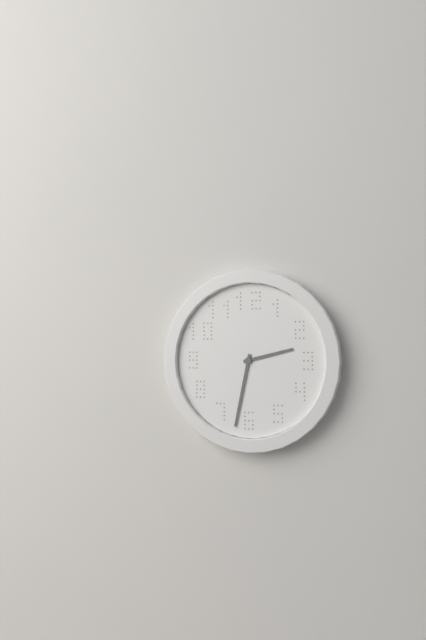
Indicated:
**2:32**
